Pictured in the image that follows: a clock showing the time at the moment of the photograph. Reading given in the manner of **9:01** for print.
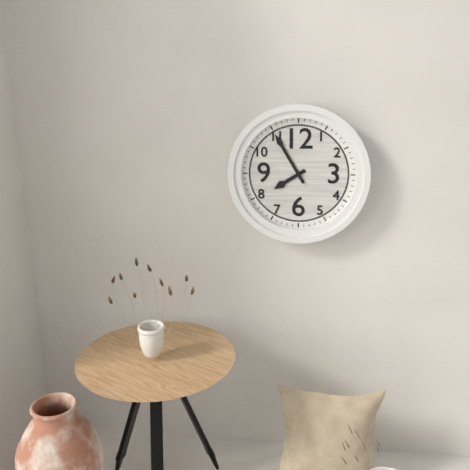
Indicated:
**7:55**
